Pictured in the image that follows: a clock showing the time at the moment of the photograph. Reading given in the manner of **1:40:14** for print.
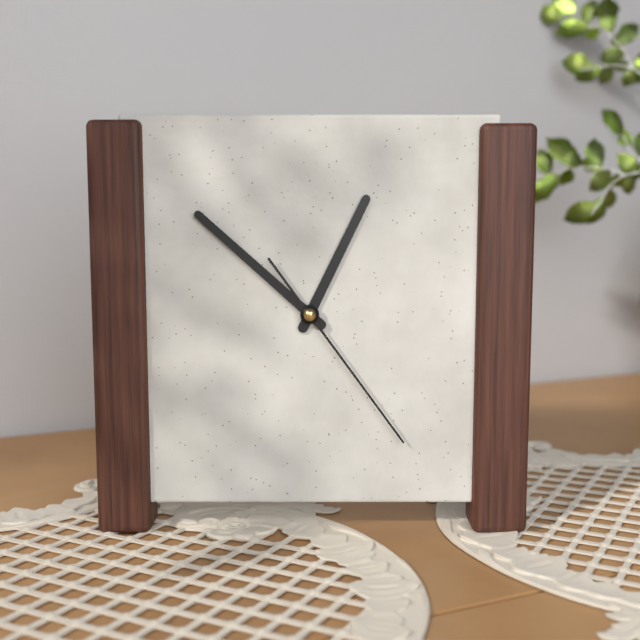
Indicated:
**12:52:24**
